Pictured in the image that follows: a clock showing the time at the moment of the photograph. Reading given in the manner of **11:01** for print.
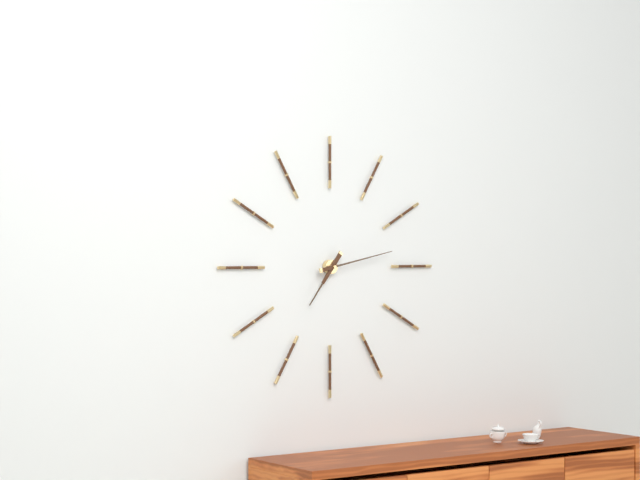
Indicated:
**7:13**
